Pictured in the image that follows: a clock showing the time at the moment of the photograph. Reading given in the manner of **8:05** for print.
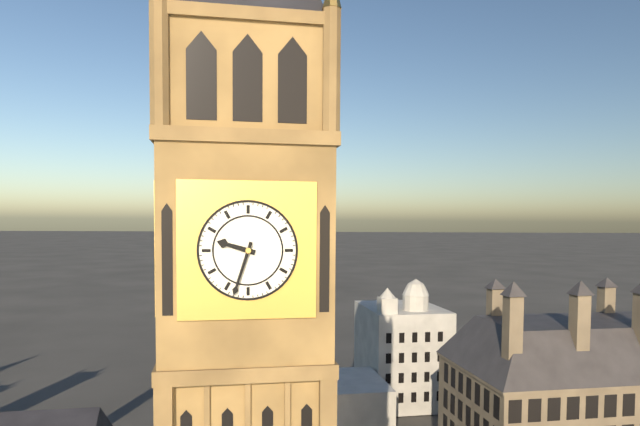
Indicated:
**9:33**
